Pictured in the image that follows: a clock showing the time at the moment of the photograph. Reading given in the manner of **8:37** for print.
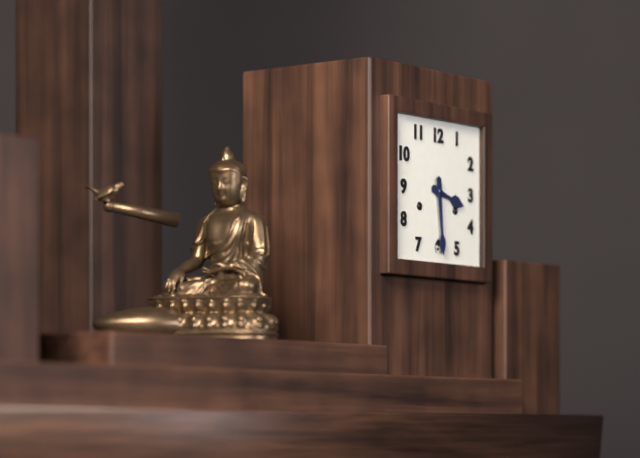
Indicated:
**3:29**
